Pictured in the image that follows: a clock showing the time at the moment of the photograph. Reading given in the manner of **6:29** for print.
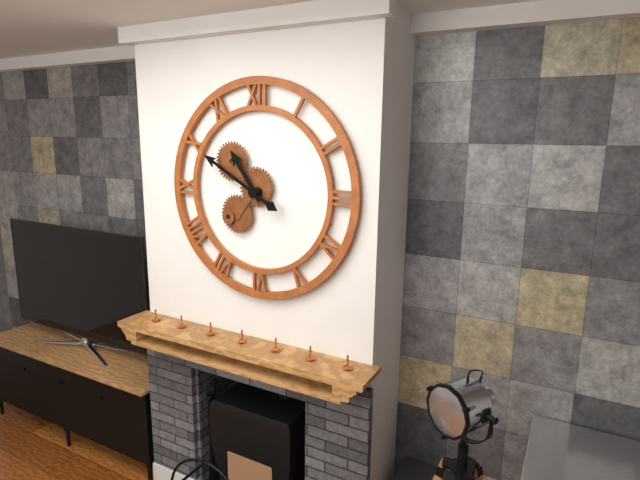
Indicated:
**10:50**
